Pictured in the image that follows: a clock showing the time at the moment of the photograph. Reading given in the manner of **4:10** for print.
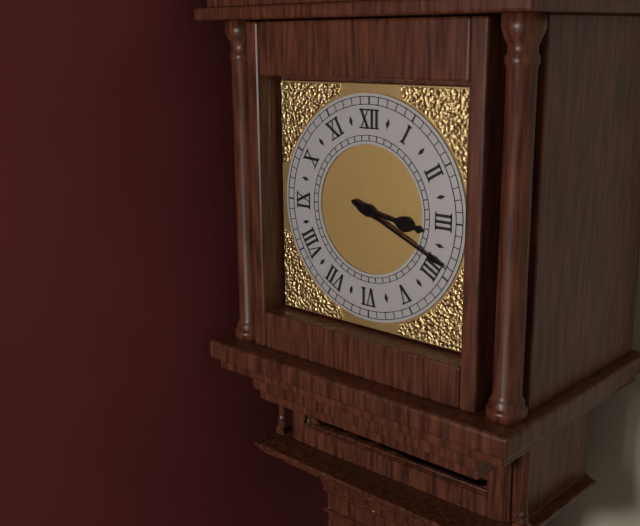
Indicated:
**3:19**
